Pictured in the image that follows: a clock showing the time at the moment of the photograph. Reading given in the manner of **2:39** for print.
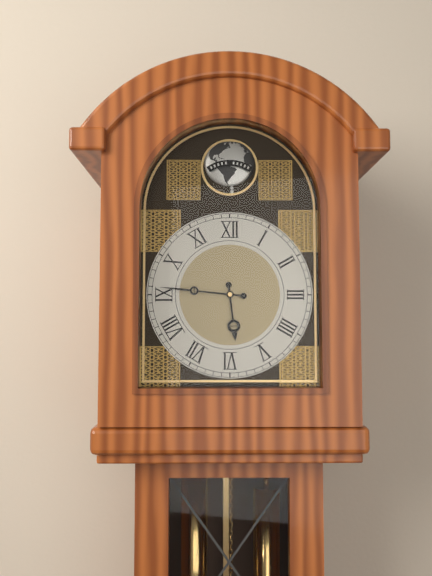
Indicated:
**5:46**
